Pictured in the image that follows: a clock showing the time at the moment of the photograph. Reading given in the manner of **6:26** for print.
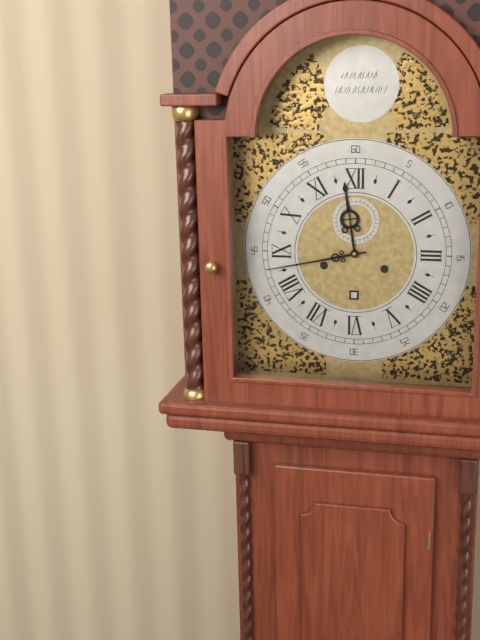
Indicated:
**11:43**
